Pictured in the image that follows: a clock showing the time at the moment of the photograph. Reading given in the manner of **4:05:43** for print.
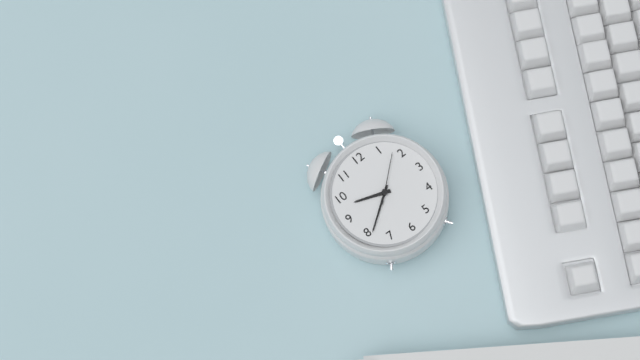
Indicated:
**9:39:08**
